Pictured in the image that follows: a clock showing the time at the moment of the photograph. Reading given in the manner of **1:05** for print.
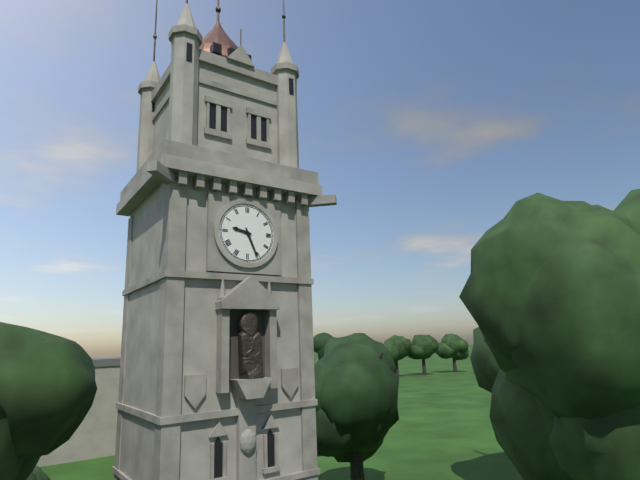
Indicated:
**9:26**
